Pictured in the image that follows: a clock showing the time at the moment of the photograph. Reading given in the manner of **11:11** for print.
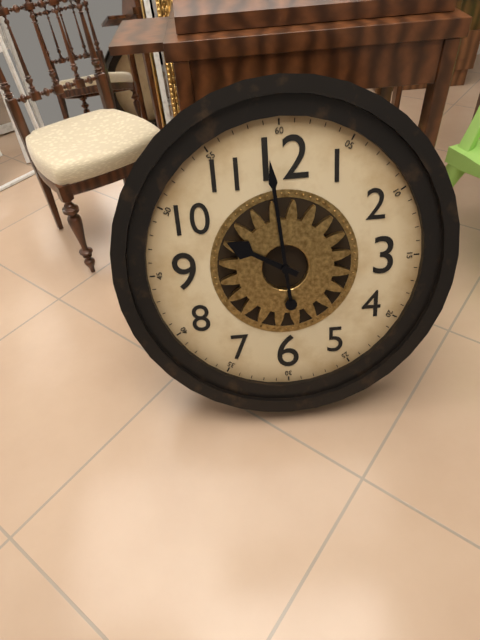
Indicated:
**9:59**
